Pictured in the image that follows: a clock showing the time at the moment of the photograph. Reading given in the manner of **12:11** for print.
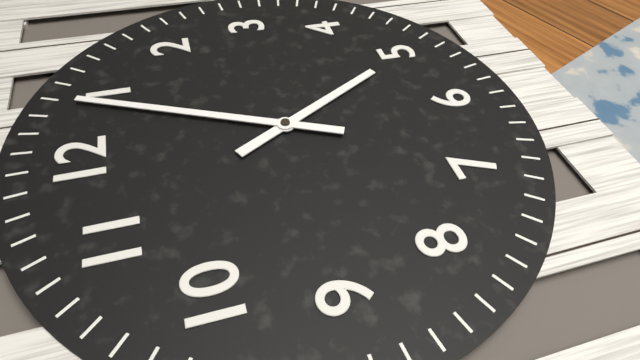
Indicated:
**5:04**
